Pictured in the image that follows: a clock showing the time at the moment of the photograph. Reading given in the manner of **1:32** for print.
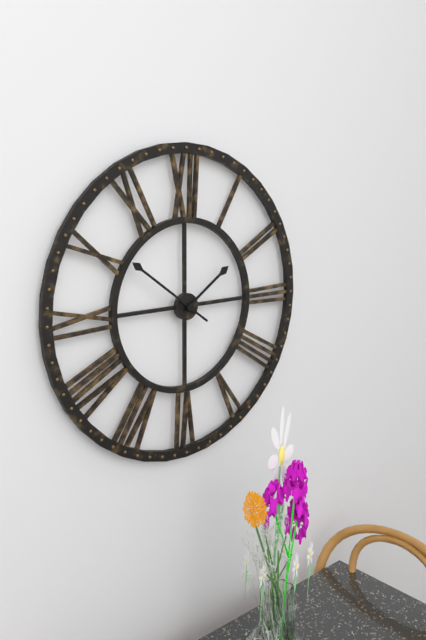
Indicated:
**1:51**
